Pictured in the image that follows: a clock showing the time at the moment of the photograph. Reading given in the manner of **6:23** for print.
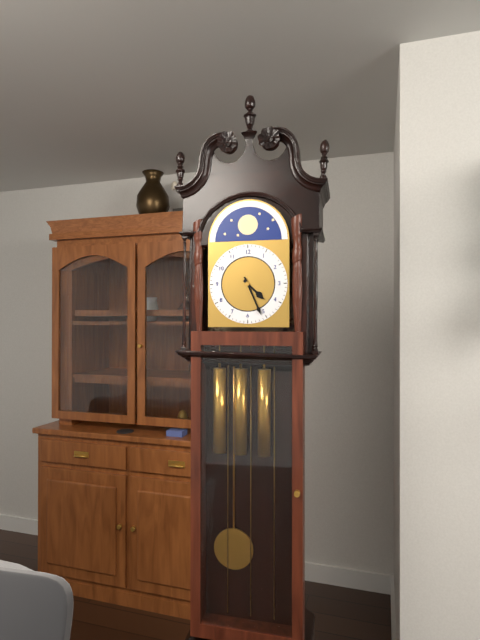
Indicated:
**4:26**
